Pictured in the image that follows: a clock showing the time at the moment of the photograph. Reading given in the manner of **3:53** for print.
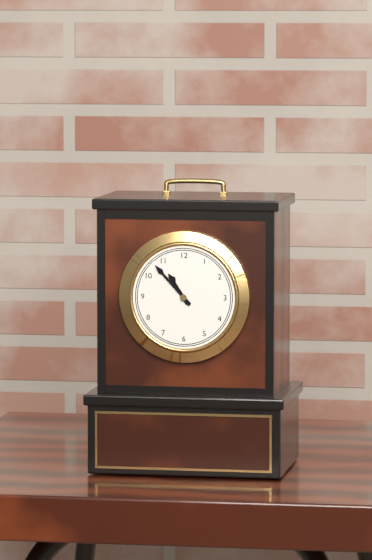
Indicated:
**10:53**
